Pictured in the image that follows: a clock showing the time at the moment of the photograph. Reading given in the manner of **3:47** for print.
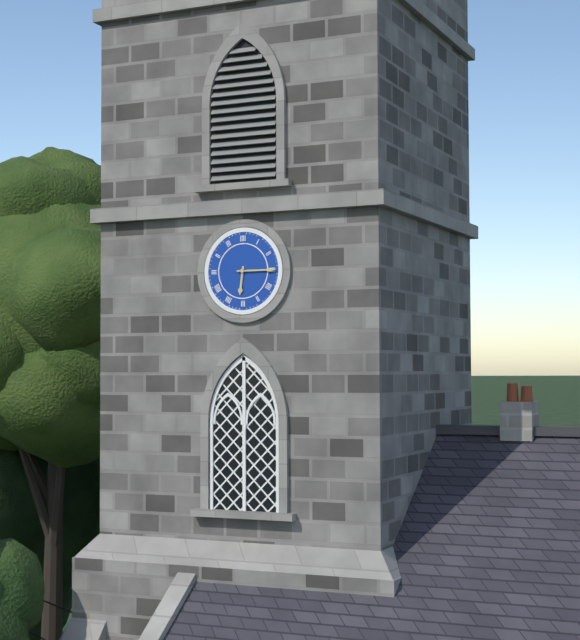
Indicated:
**6:15**
